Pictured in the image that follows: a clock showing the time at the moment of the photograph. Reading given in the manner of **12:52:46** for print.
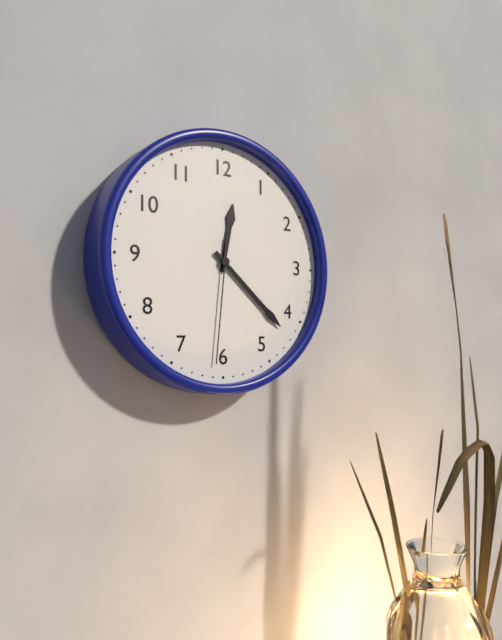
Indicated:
**12:22:31**
